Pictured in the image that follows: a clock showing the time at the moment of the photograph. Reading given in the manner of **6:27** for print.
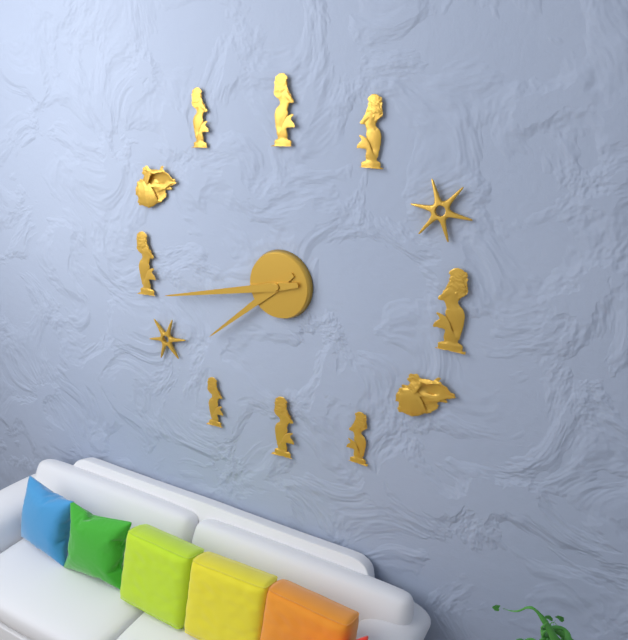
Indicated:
**7:43**
